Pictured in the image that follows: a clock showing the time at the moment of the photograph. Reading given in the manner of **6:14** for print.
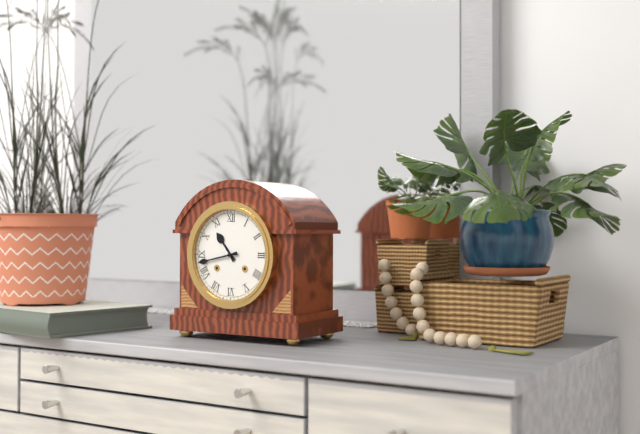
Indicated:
**10:43**
